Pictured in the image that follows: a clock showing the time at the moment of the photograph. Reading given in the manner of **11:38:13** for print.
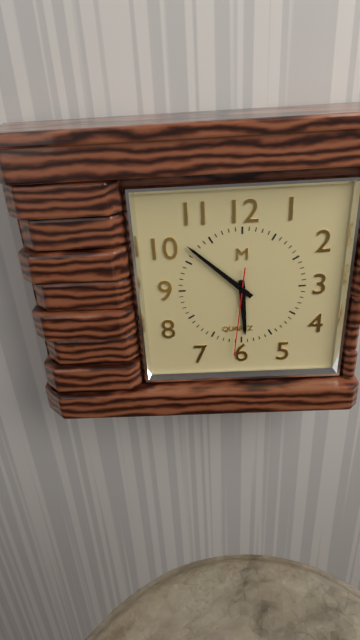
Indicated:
**5:52:31**
